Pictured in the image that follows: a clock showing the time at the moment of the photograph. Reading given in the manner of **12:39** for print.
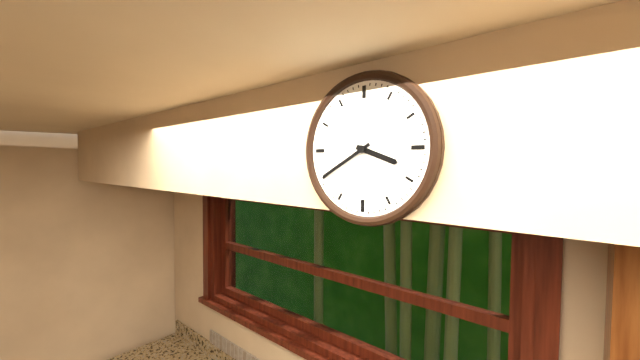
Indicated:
**3:40**
